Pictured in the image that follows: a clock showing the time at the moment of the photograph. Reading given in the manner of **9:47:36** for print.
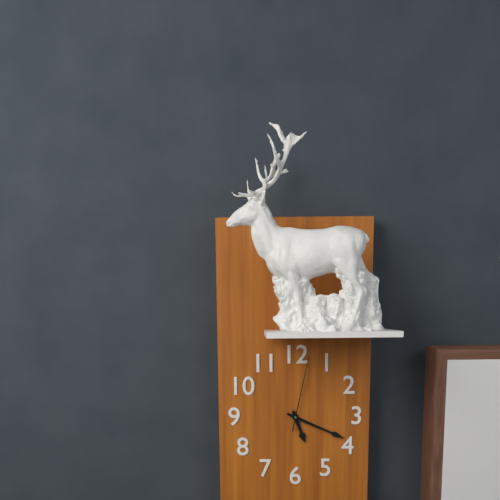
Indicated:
**5:19:02**
